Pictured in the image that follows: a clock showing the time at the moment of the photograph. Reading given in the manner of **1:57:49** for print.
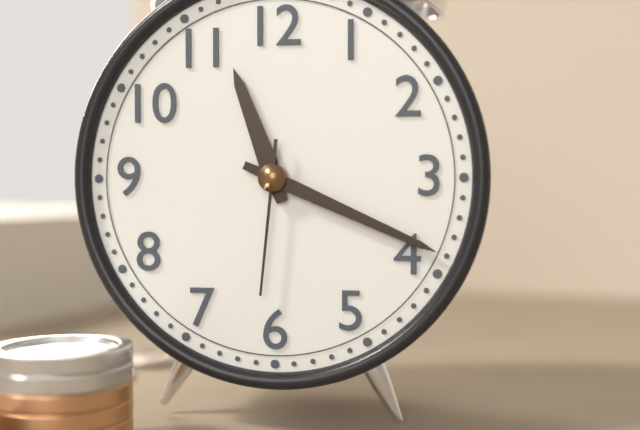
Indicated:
**11:19:31**
